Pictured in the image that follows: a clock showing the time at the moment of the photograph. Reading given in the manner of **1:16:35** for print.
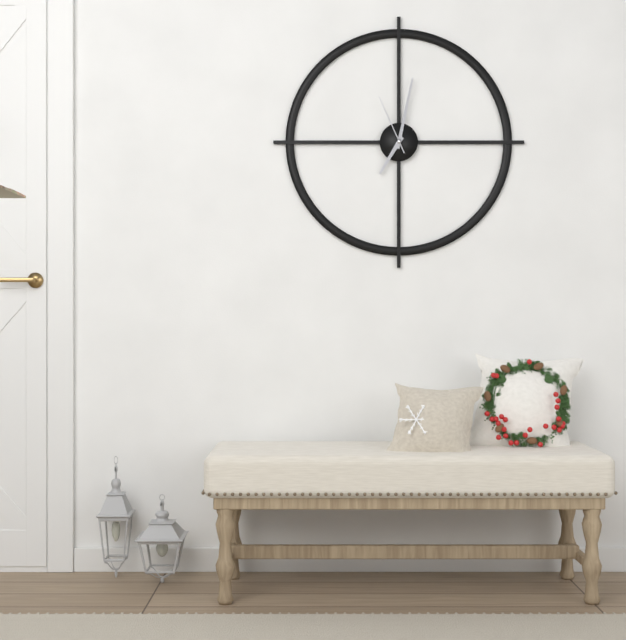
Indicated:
**7:02:56**
